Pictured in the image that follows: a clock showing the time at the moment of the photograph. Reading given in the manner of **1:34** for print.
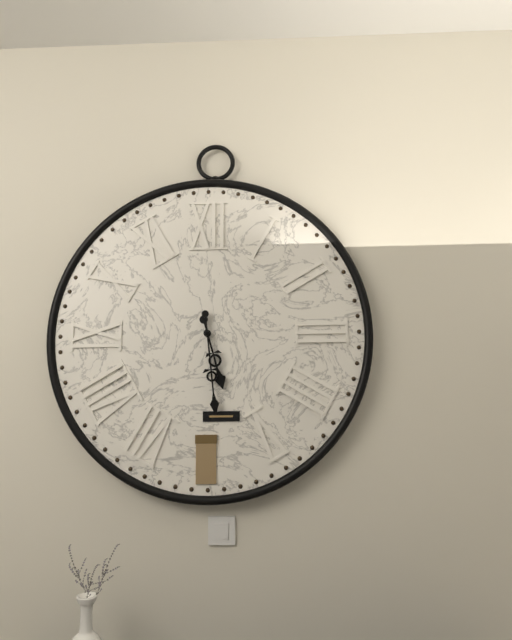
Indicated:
**5:29**
